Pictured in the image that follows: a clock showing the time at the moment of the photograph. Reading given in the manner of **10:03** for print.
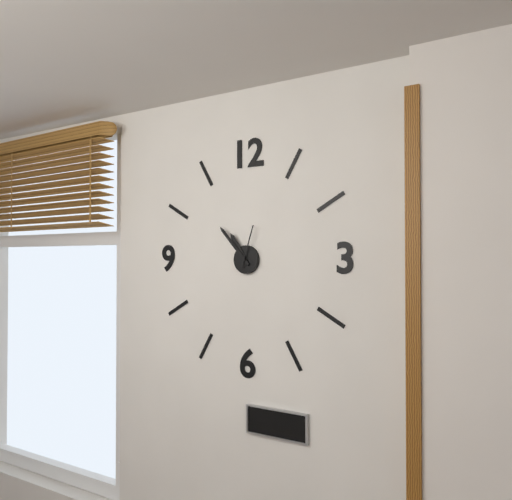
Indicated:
**10:53**
